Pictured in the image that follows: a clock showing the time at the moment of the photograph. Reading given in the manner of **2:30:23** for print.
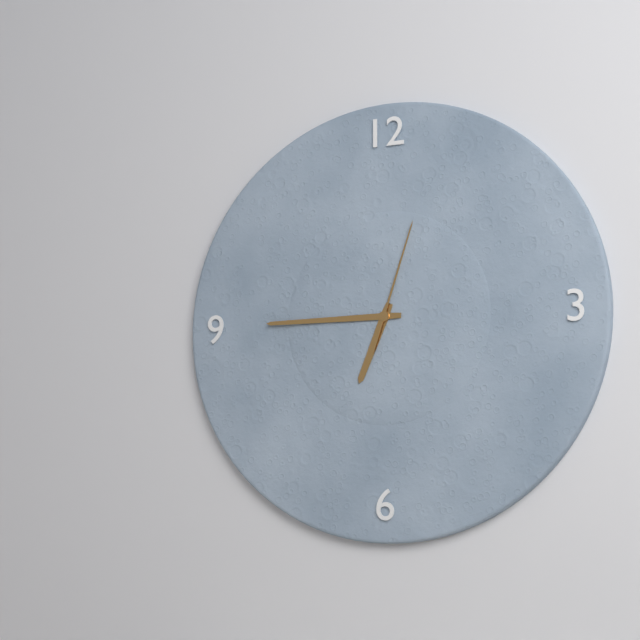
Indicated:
**6:45:03**
